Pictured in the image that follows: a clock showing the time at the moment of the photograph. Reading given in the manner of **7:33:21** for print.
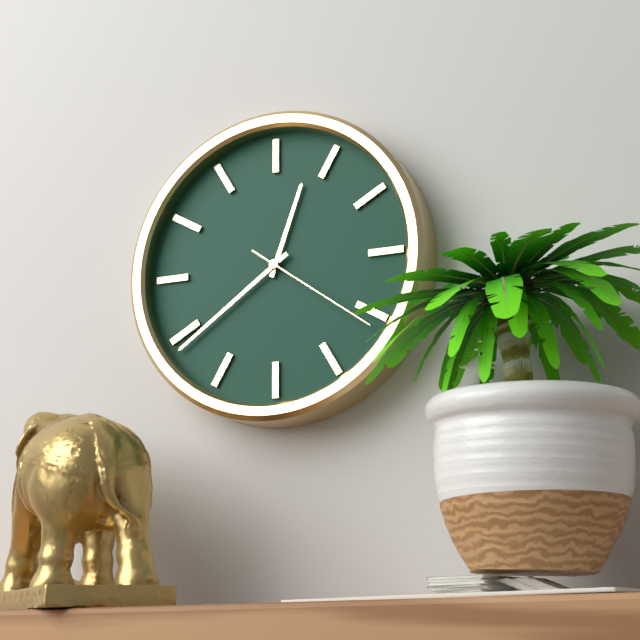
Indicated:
**12:39:21**
